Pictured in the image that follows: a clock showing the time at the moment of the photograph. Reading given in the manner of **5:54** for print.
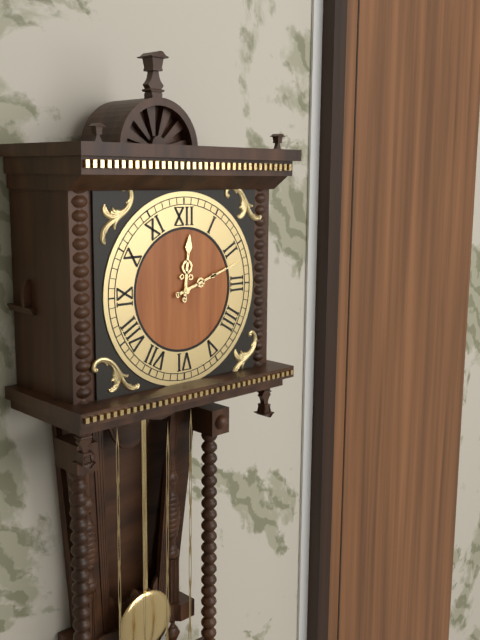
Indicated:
**12:12**
